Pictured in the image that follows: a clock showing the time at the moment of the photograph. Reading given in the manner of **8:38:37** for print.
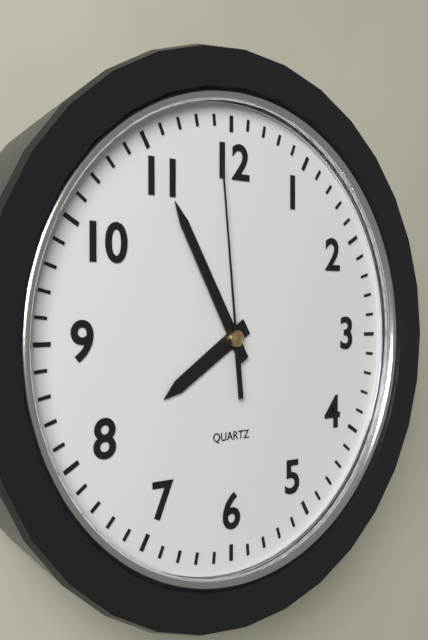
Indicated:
**7:55:59**
